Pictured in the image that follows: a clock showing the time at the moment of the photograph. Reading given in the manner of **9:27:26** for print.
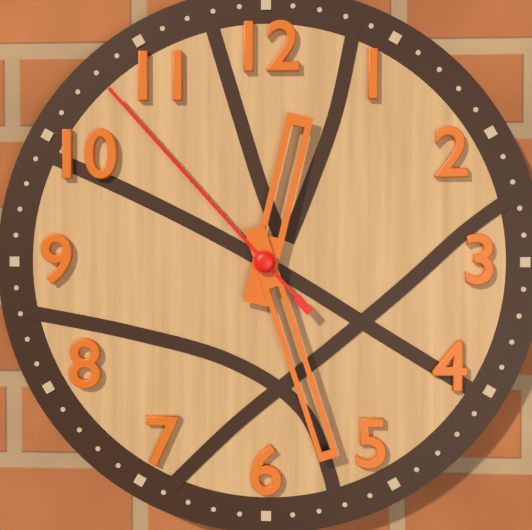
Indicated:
**12:27:53**
